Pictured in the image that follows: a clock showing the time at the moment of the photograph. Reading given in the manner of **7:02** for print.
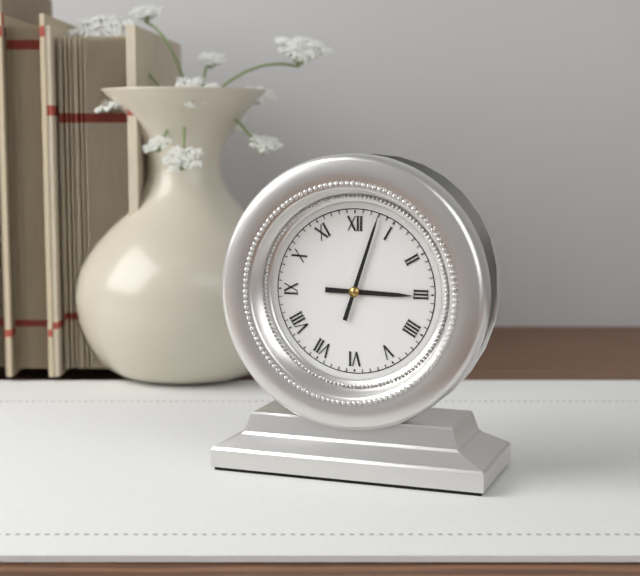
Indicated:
**3:03**
